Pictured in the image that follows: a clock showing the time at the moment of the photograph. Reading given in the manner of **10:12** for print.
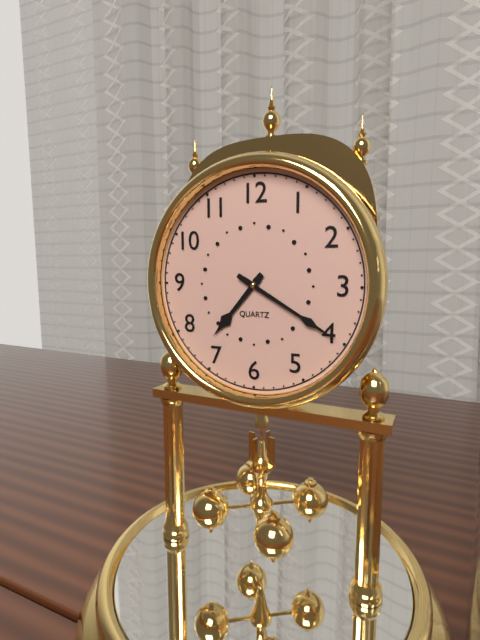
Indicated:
**7:20**
